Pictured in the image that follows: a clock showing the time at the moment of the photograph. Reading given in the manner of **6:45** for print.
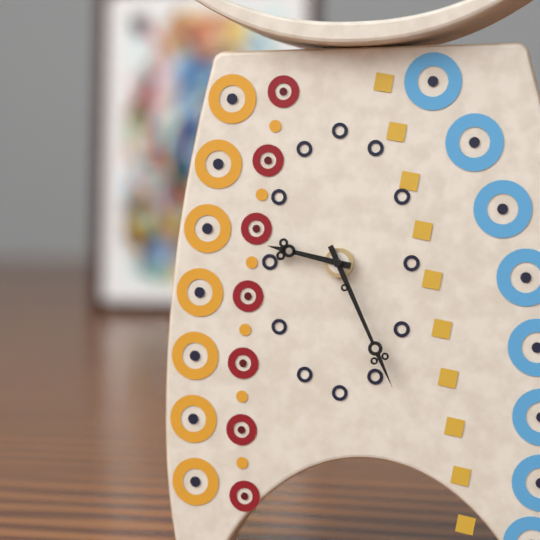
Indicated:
**9:26**
